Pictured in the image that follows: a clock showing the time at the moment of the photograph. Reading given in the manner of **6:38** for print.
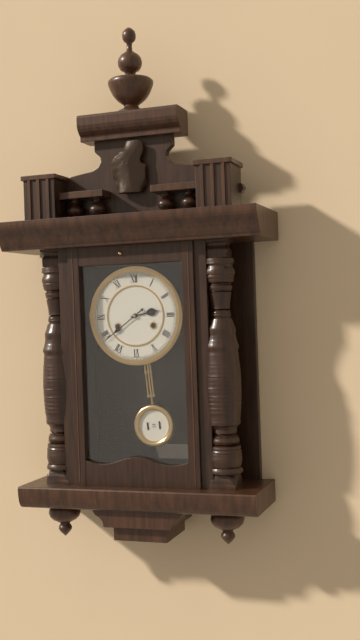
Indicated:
**2:39**
